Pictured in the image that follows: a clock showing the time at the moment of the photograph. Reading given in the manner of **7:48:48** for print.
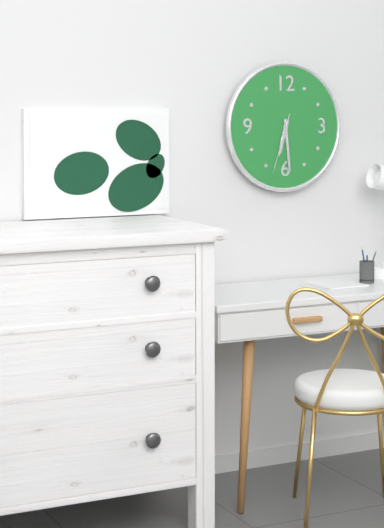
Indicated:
**6:29:33**
